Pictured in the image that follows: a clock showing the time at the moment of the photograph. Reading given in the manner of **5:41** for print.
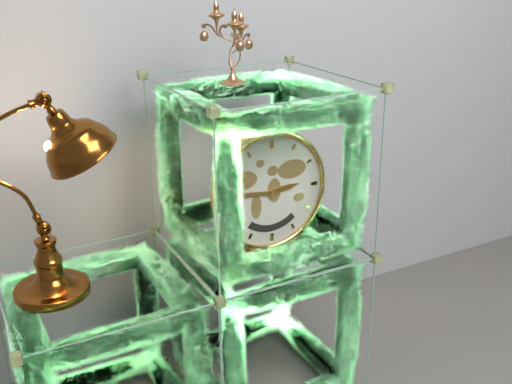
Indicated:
**2:46**
